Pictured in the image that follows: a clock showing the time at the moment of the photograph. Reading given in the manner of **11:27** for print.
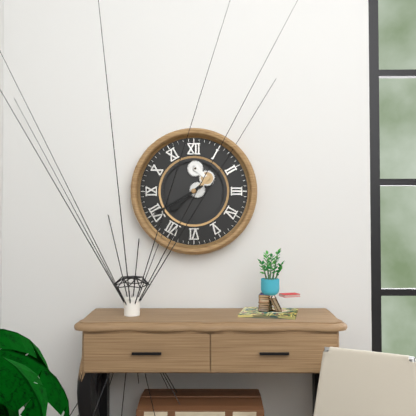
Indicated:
**7:40**
